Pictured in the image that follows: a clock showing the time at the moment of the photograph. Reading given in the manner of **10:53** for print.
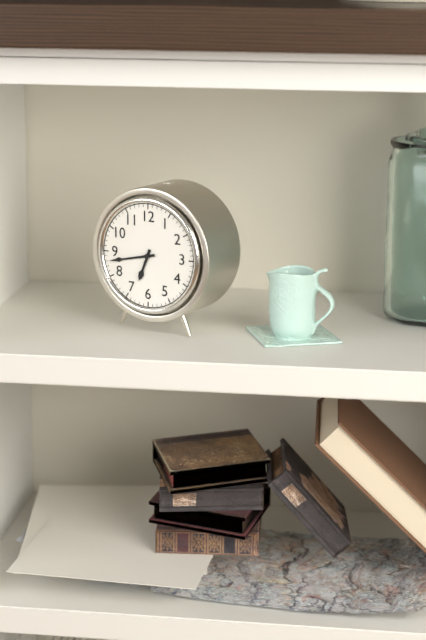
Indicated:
**6:43**
